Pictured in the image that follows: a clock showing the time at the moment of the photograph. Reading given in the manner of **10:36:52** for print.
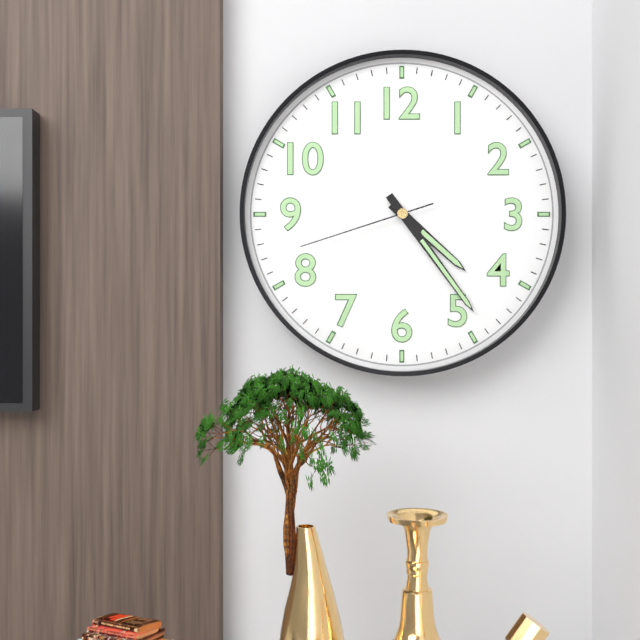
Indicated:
**4:24:42**
